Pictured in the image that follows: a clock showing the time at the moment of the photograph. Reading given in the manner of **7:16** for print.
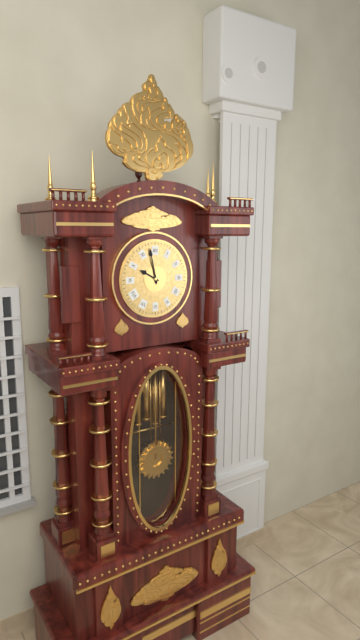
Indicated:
**9:58**
